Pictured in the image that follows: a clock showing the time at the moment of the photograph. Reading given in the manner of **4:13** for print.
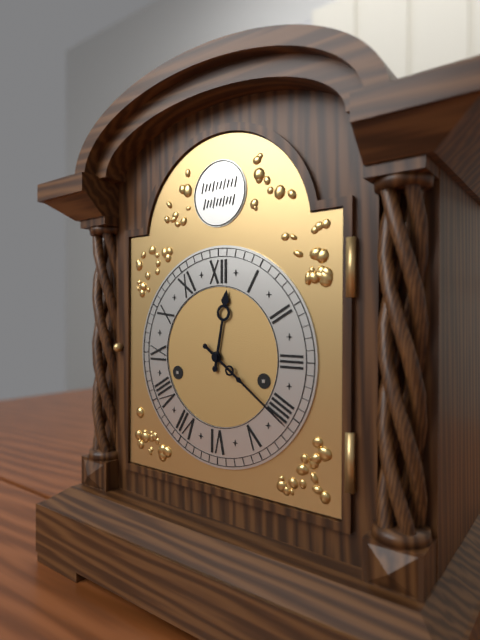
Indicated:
**12:21**
